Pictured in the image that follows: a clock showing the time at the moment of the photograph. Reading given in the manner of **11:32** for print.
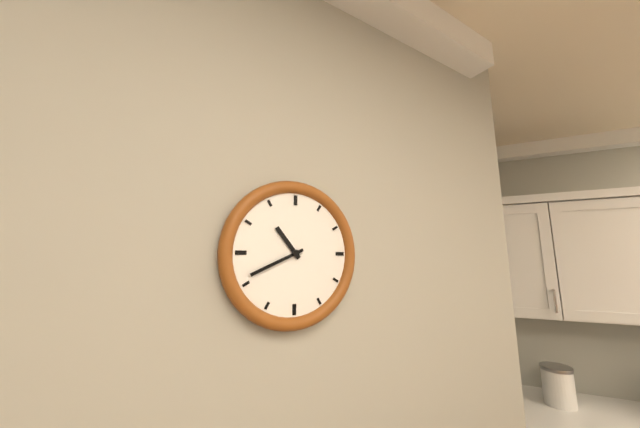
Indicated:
**10:41**
